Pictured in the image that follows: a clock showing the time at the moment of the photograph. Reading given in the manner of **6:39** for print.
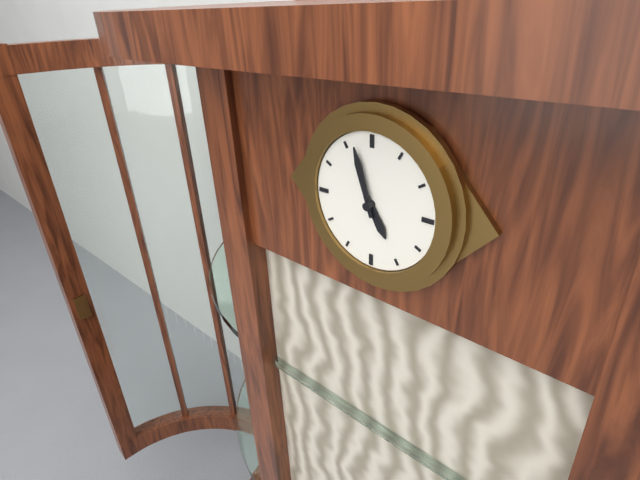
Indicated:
**4:57**
